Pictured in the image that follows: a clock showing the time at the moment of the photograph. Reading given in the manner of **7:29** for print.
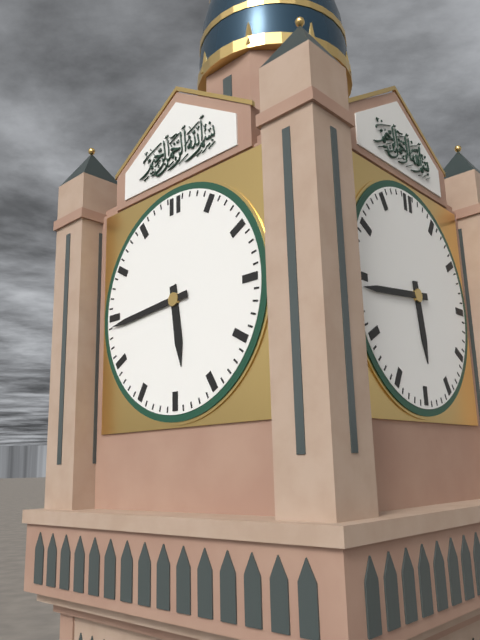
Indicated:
**5:44**
